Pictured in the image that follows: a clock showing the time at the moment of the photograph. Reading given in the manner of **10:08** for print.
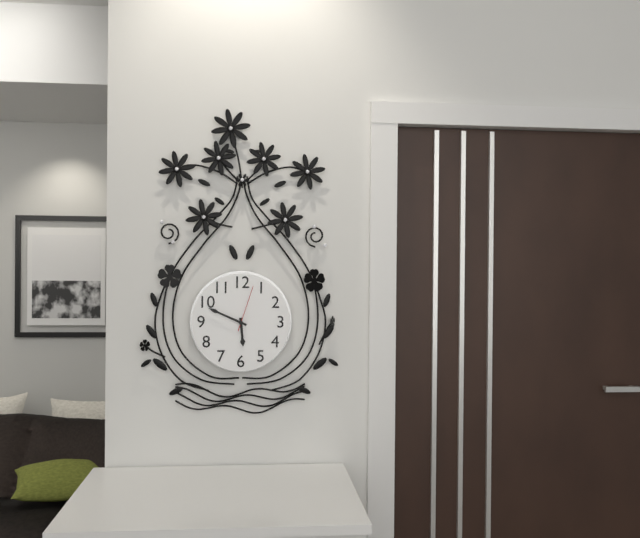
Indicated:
**5:49**
